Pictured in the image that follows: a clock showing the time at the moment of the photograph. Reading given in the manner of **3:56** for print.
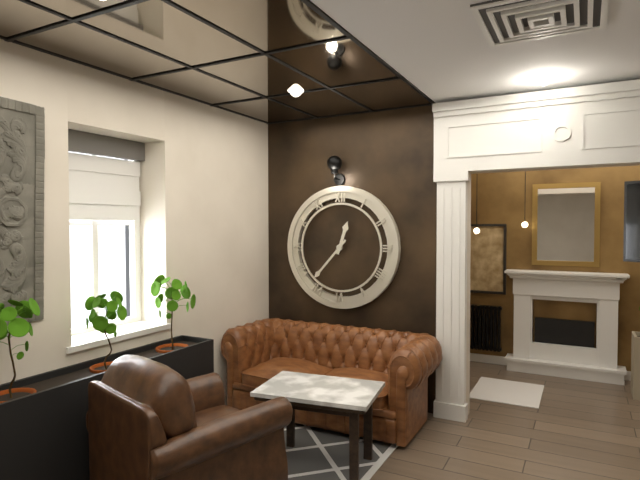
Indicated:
**12:37**
